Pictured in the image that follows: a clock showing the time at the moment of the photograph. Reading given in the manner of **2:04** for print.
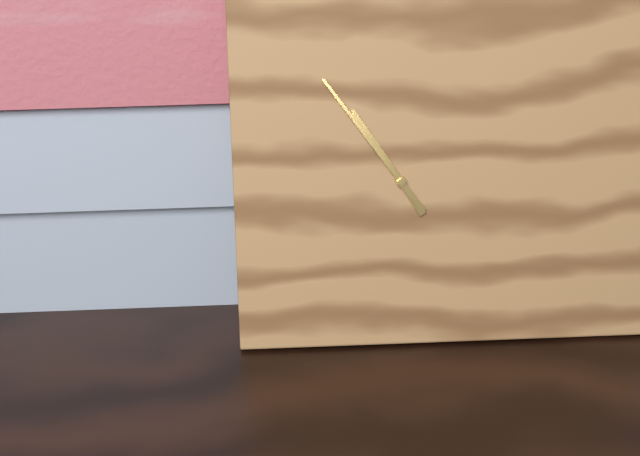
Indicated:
**10:54**
